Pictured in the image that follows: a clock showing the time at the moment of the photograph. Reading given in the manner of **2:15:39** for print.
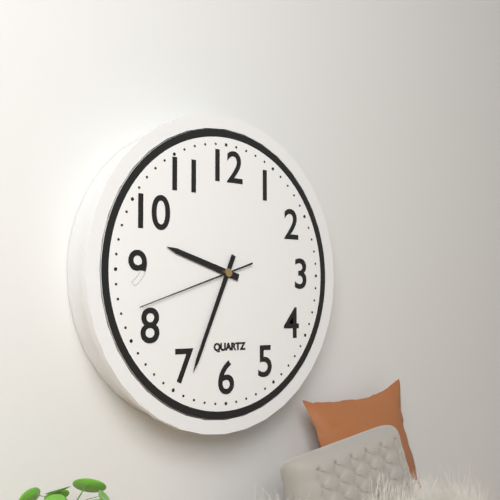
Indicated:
**9:34:42**
